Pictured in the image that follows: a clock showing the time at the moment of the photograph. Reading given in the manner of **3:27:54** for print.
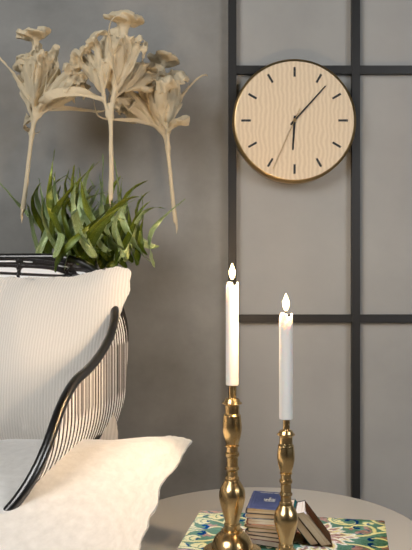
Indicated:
**6:07:34**
